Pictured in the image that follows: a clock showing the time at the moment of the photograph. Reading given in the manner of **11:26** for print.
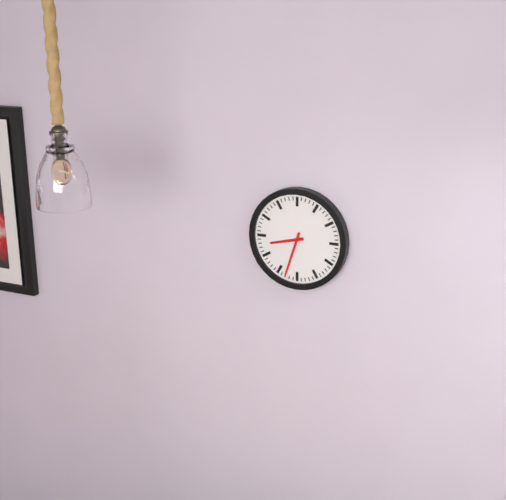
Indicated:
**8:33**
